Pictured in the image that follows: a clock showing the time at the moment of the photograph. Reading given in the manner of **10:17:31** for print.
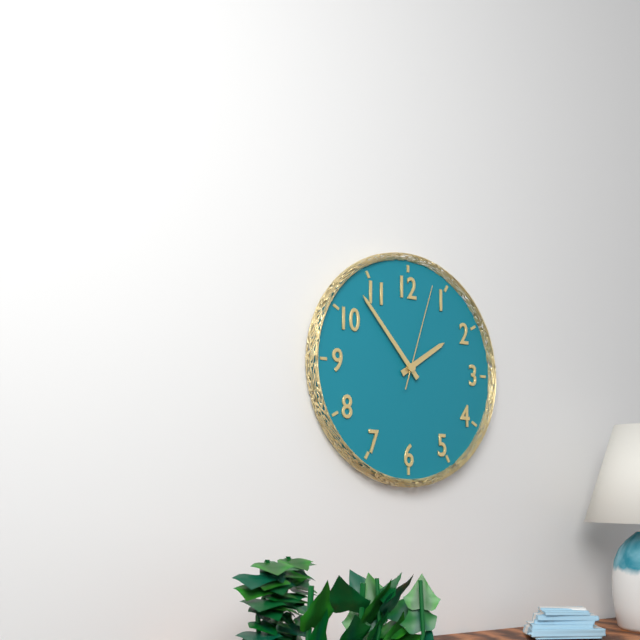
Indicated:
**1:53:03**
